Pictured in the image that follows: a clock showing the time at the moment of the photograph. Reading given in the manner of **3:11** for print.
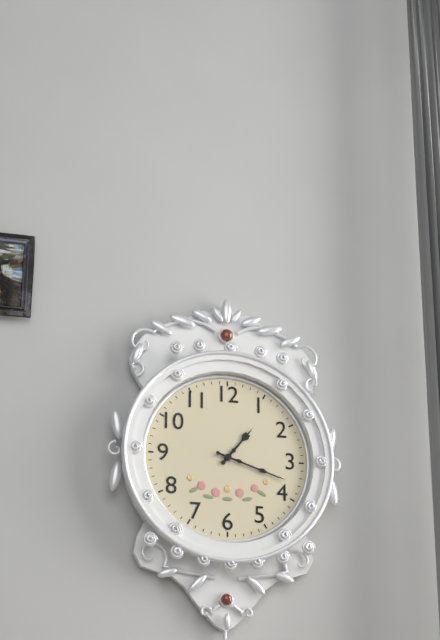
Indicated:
**1:18**
